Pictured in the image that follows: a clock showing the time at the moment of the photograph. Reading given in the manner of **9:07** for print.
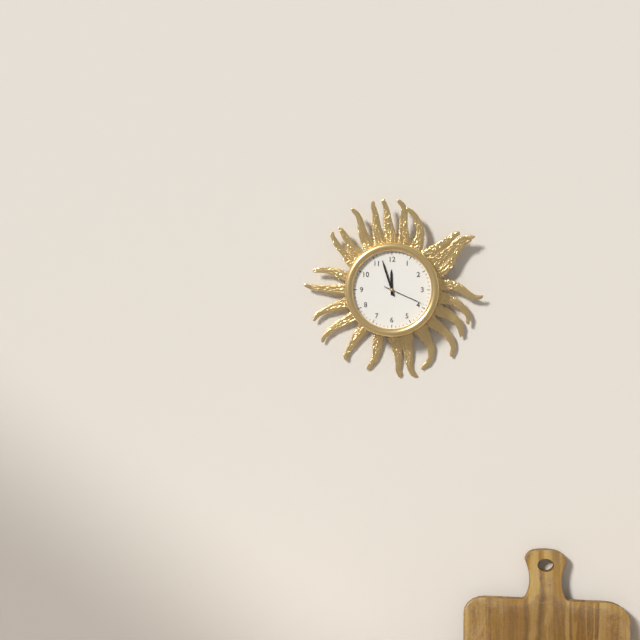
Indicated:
**11:57**
